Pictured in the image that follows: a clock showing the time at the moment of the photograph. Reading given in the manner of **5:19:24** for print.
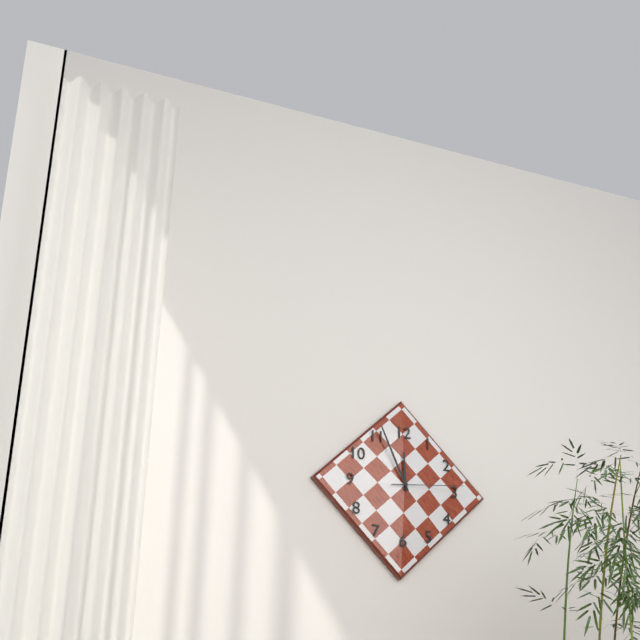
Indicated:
**11:56:14**
